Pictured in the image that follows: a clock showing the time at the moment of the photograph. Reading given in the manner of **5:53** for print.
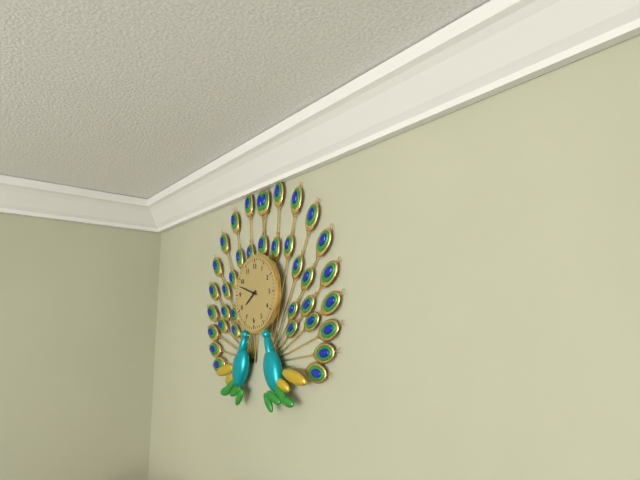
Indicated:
**7:48**
